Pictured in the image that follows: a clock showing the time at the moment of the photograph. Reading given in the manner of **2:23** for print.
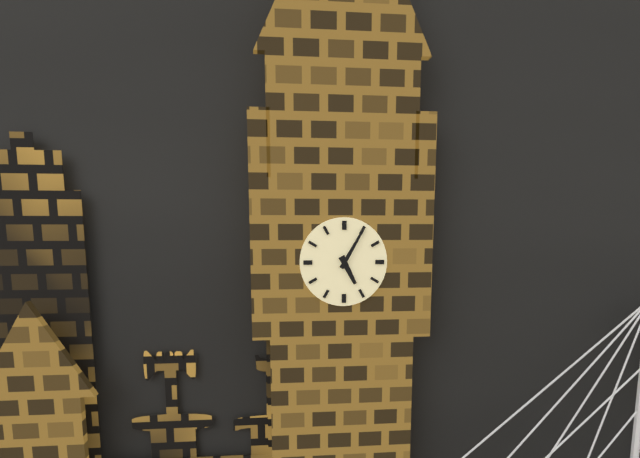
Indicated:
**5:05**
